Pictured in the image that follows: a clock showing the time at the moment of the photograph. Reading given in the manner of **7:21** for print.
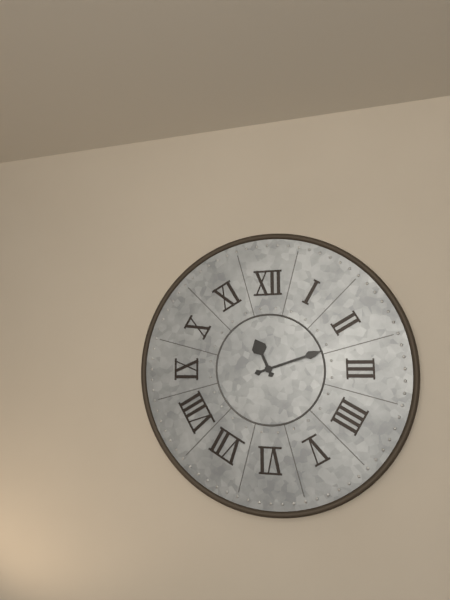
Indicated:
**11:12**
